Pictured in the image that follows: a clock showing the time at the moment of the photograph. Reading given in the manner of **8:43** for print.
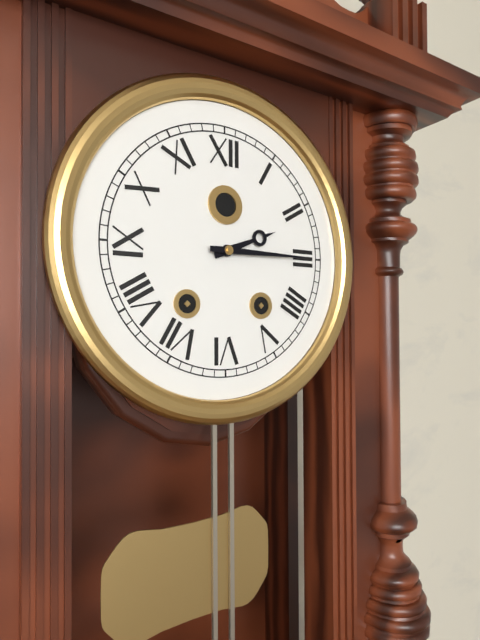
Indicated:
**2:15**
